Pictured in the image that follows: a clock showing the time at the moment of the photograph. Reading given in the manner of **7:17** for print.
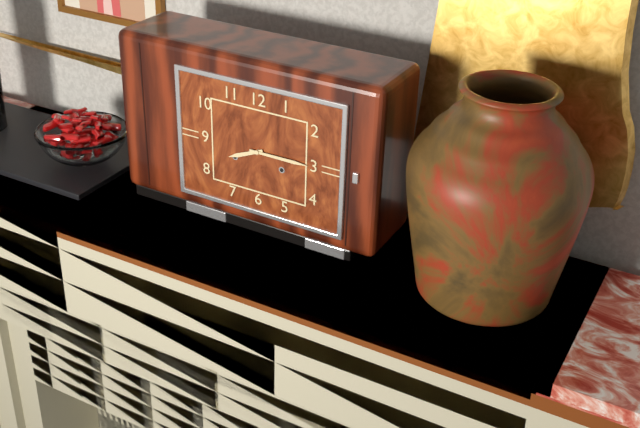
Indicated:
**8:15**
